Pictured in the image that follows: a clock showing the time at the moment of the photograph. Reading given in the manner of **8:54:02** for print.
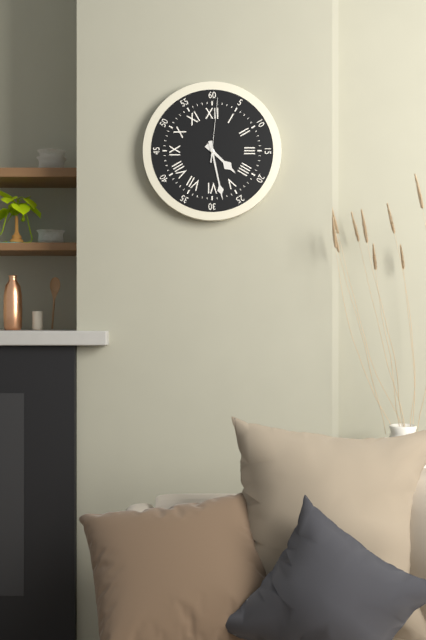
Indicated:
**4:28:01**
